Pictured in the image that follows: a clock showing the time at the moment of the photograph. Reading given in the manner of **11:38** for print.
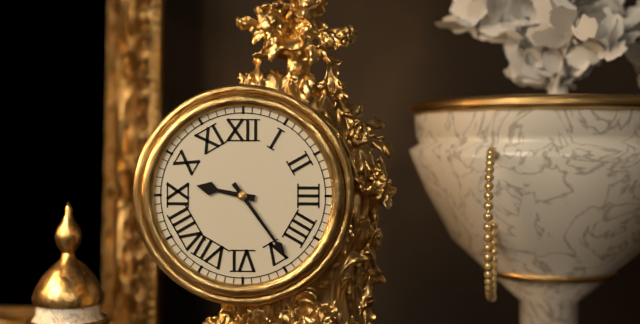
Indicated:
**9:24**
